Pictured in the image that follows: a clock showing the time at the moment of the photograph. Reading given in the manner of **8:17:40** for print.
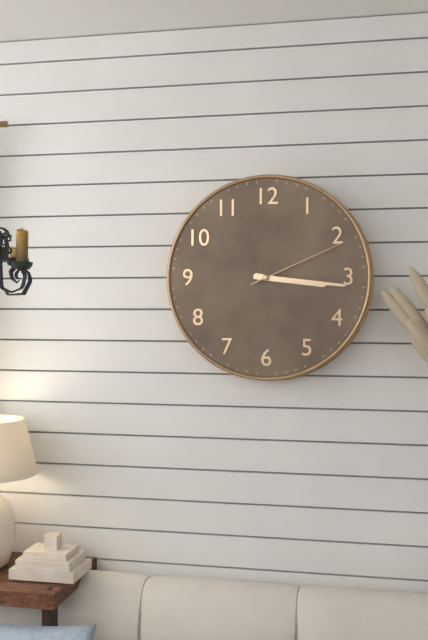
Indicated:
**3:16:11**
